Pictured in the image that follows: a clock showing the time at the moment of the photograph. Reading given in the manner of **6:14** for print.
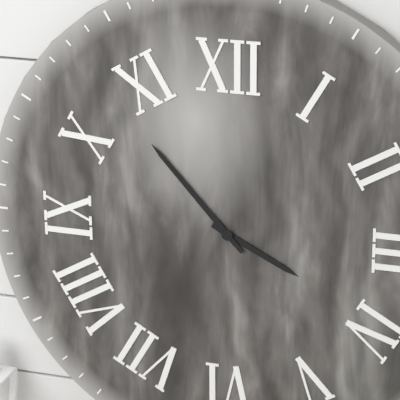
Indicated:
**3:53**
